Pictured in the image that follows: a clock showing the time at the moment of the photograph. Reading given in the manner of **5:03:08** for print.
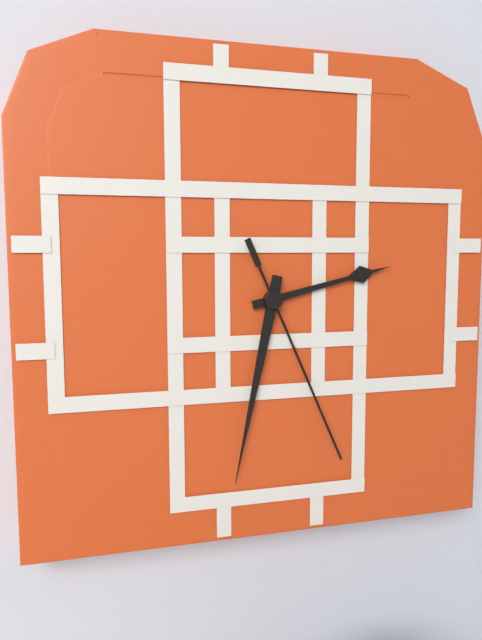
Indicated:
**2:32:26**
